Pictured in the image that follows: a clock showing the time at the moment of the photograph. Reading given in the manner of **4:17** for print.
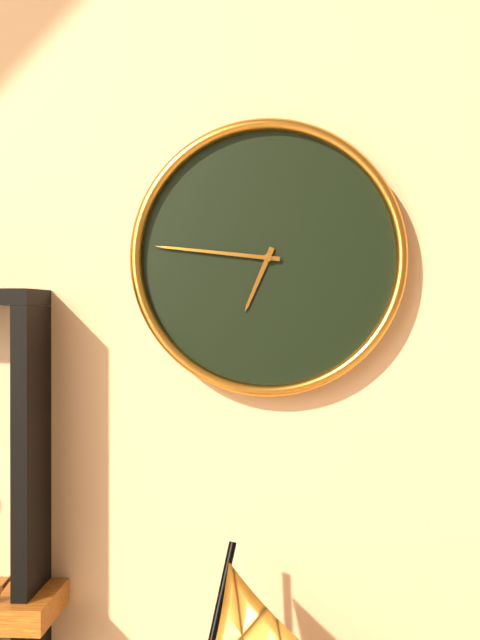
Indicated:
**6:46**
